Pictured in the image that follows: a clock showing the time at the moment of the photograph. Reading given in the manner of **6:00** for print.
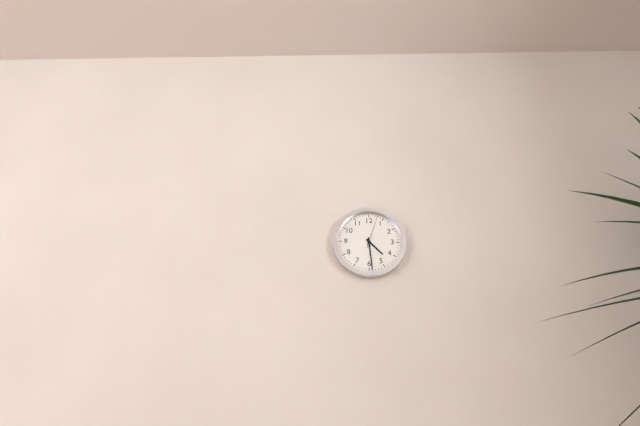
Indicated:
**4:29**
